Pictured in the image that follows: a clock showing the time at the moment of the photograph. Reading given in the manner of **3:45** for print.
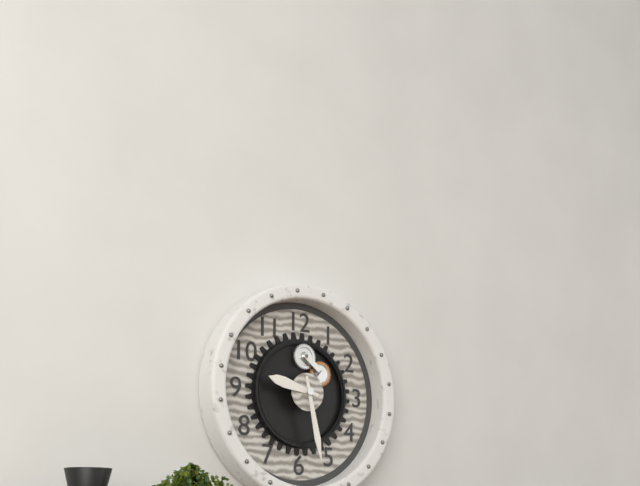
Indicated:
**9:28**
